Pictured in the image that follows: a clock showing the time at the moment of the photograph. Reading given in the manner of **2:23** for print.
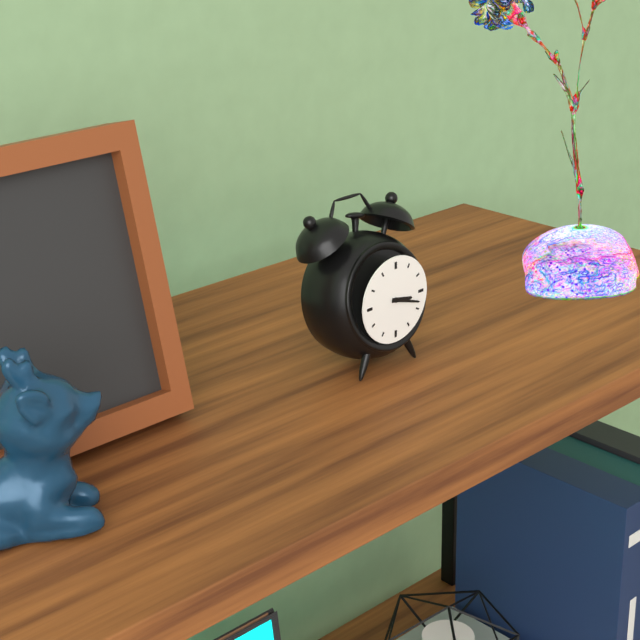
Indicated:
**3:18**
